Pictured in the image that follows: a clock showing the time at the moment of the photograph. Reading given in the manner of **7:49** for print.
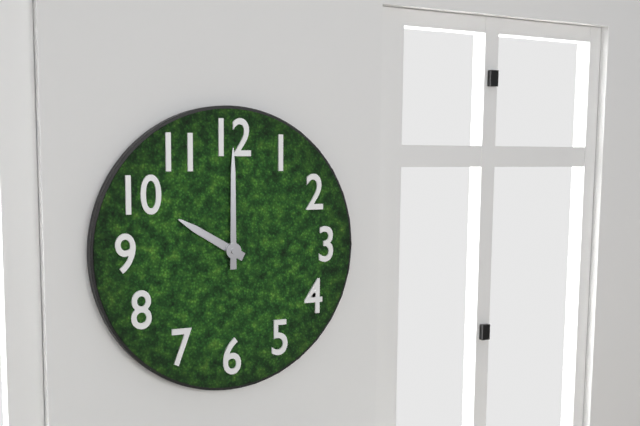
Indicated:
**10:00**
